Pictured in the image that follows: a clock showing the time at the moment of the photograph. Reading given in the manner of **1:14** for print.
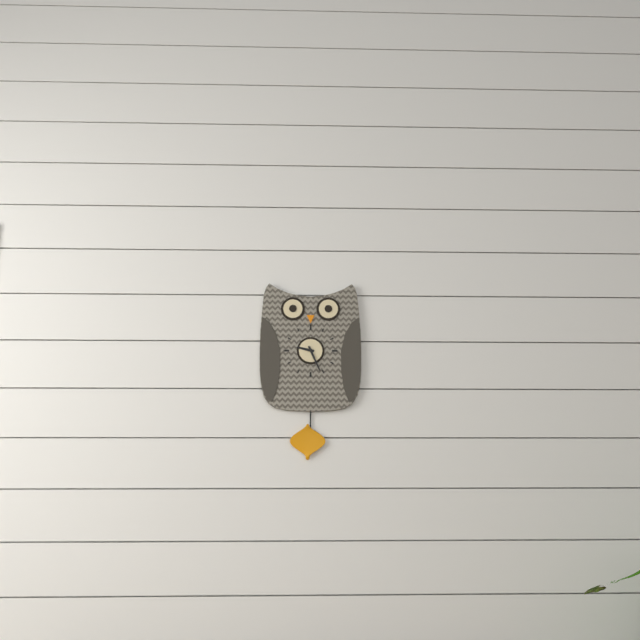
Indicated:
**9:26**
